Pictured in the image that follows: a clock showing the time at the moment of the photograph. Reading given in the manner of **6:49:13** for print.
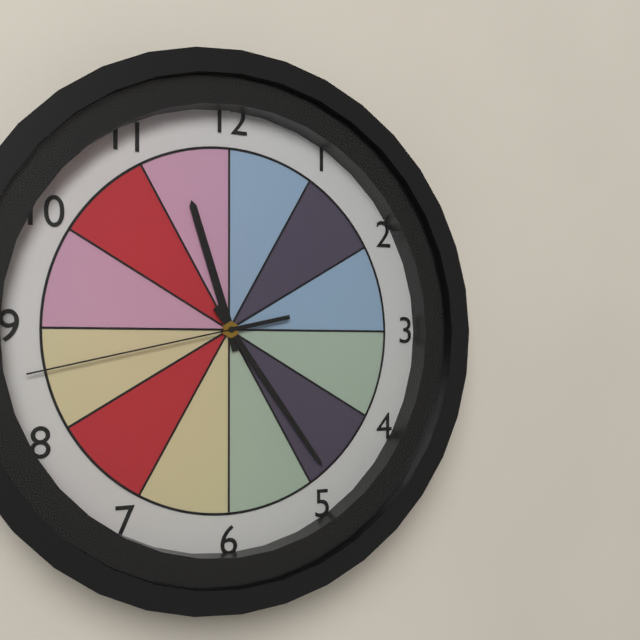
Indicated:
**11:24:43**
